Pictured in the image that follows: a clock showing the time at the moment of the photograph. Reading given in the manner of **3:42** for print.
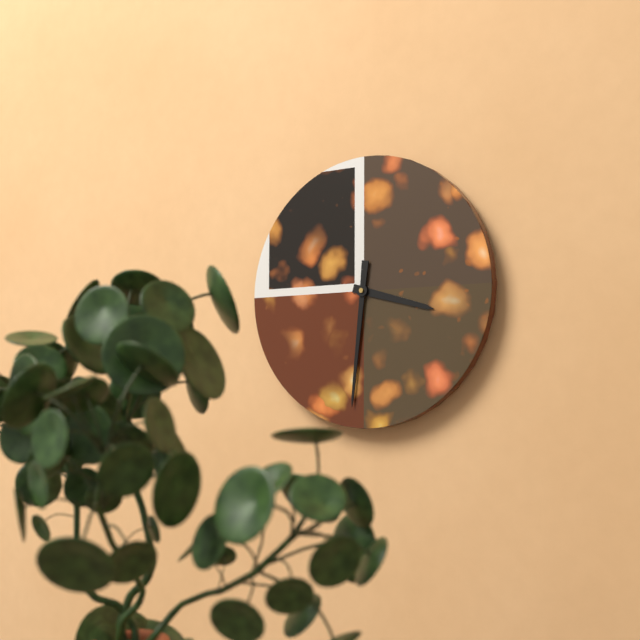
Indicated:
**3:31**
